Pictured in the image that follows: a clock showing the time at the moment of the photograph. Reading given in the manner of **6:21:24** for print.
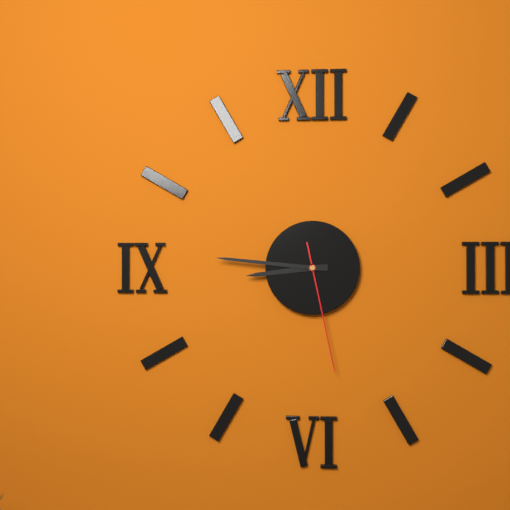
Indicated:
**8:46:28**
